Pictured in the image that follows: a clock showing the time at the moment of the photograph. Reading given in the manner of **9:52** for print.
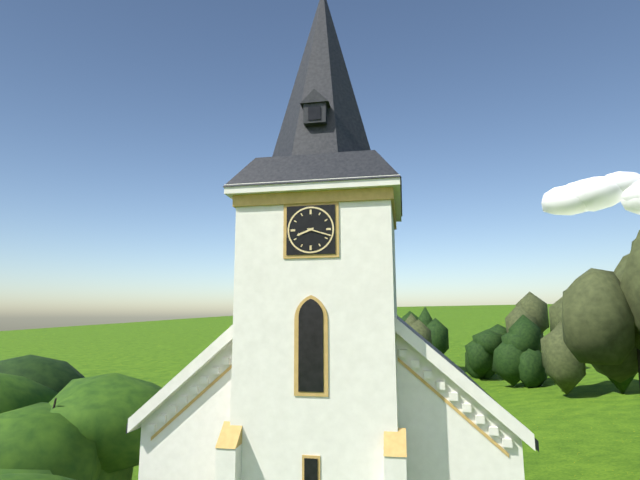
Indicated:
**8:18**
